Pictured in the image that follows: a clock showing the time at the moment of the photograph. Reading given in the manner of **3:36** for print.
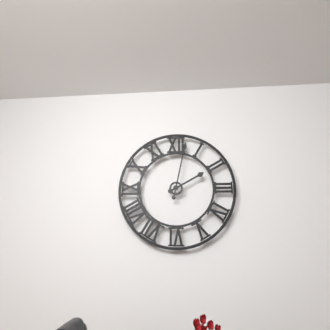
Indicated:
**2:02**
